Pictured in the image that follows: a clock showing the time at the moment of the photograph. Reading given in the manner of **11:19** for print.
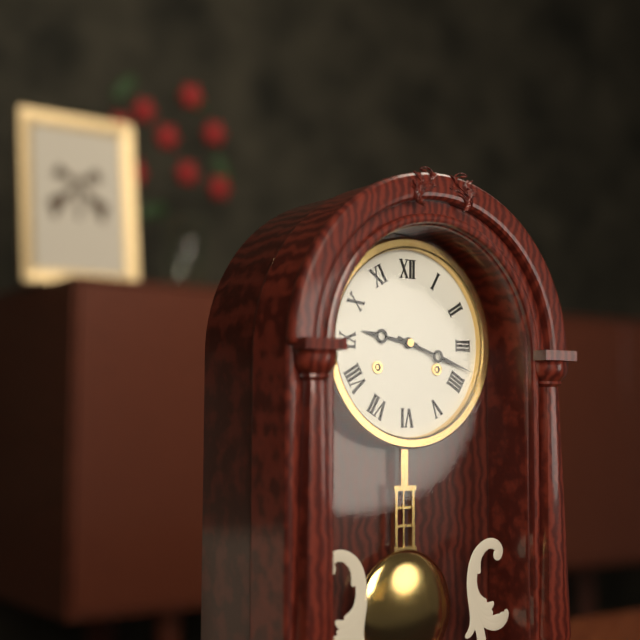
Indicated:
**9:18**
